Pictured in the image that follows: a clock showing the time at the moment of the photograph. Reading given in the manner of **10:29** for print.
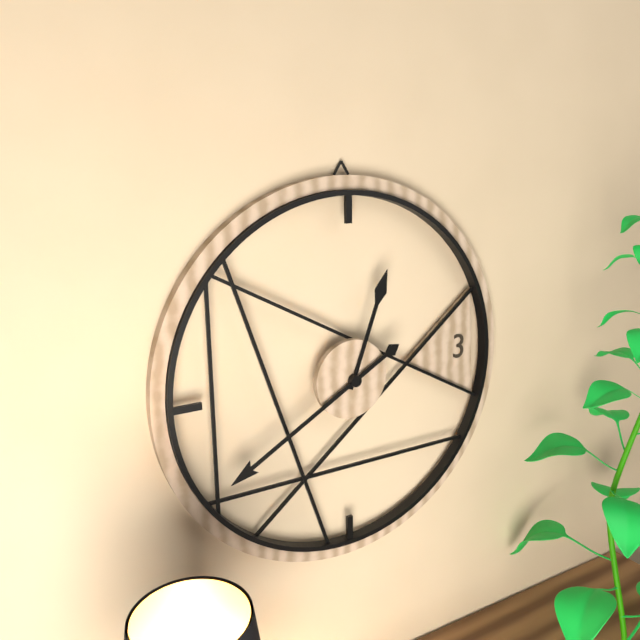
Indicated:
**12:40**
